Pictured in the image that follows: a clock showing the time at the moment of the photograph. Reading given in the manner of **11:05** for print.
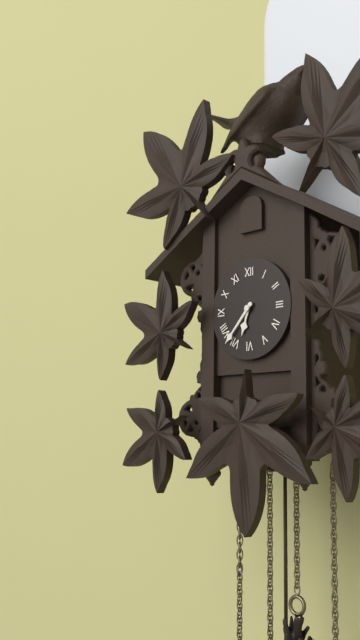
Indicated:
**6:37**
